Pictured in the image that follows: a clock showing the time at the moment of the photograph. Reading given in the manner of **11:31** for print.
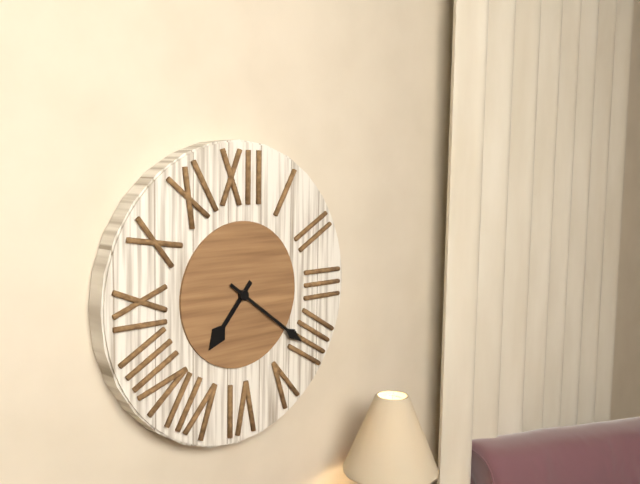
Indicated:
**7:21**
